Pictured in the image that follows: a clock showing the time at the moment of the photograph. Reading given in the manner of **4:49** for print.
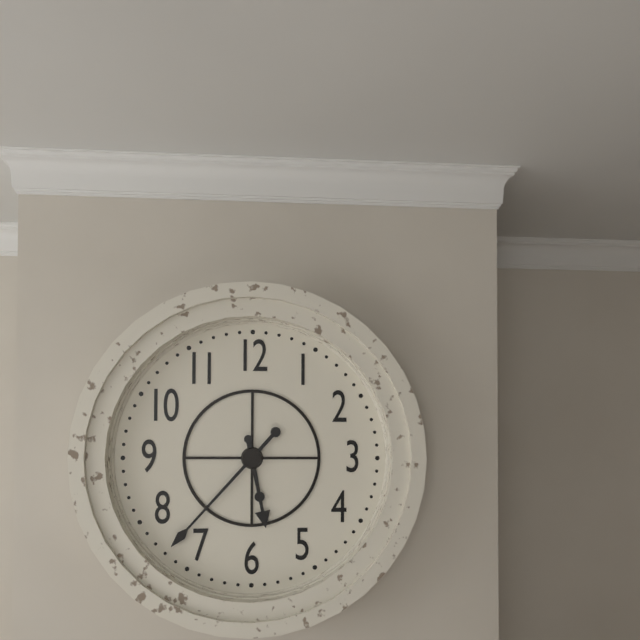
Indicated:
**5:37**
